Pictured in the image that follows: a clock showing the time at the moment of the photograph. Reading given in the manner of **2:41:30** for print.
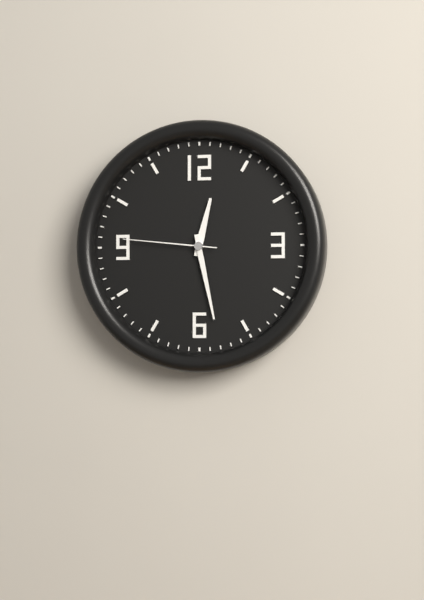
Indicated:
**12:28:46**
